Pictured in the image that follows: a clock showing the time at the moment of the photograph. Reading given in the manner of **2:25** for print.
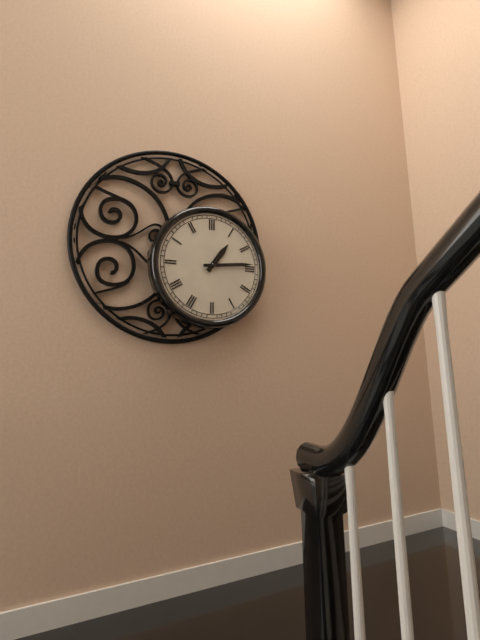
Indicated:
**1:14**
